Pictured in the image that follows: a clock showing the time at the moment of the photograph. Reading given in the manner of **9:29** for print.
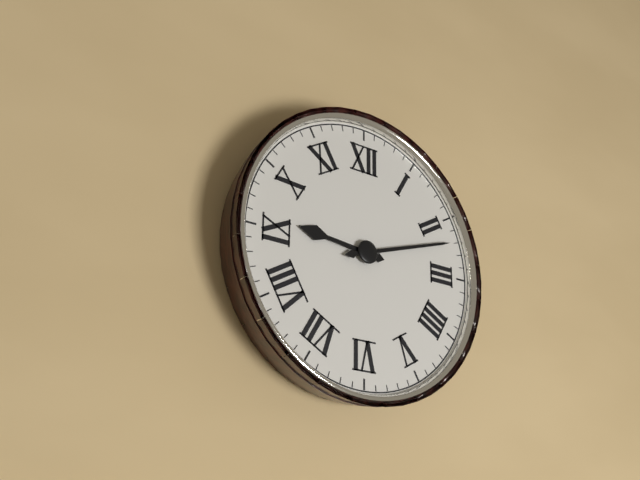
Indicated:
**9:12**
